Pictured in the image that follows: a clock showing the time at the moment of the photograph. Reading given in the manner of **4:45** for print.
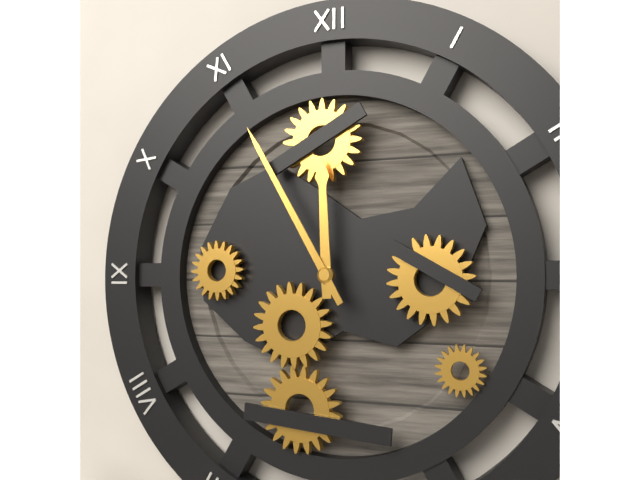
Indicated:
**11:55**
